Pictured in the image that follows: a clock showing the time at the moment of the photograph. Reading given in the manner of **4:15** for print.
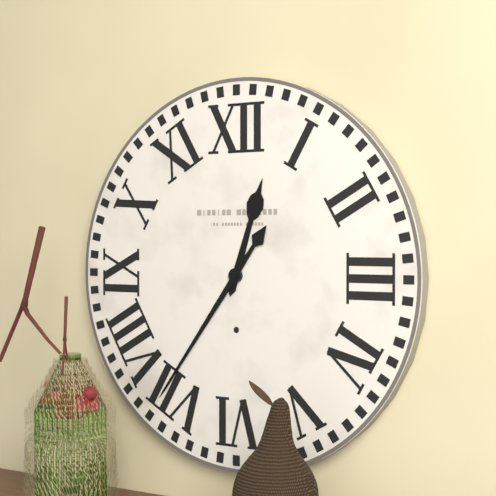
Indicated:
**12:36**
